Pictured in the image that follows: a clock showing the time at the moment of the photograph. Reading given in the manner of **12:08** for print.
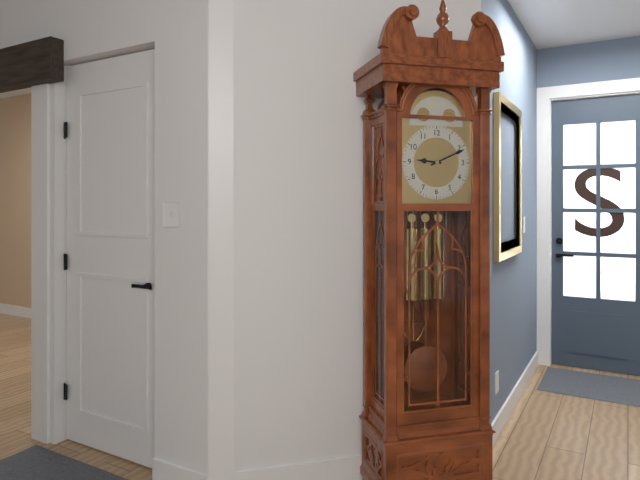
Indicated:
**9:11**
